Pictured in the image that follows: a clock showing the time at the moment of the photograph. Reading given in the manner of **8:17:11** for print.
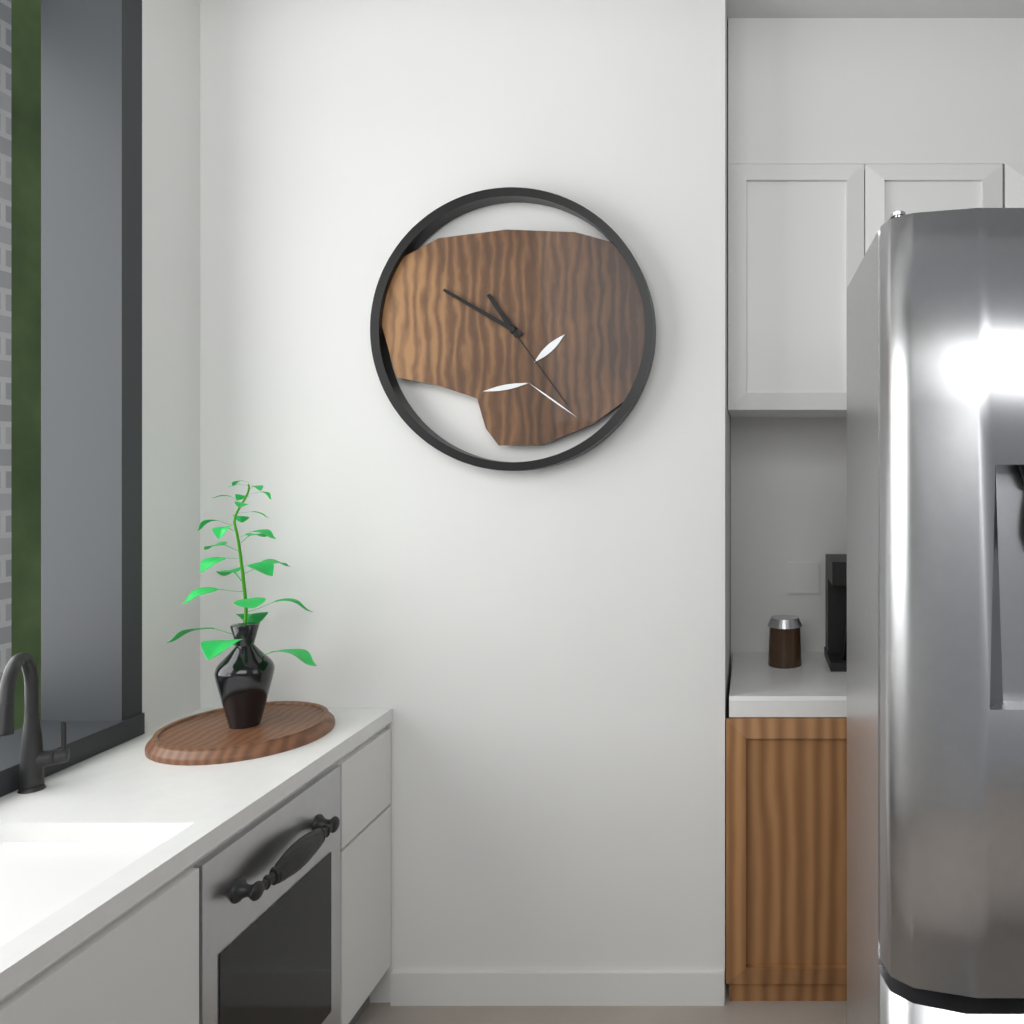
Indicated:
**10:50:24**
